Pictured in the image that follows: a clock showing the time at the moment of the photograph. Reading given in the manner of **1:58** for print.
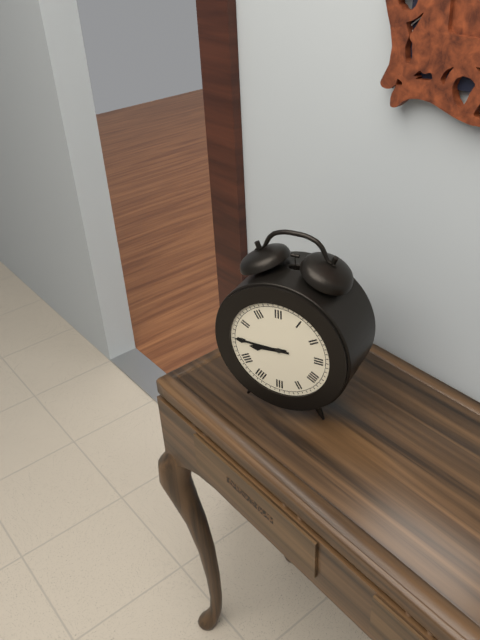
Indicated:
**8:45**
